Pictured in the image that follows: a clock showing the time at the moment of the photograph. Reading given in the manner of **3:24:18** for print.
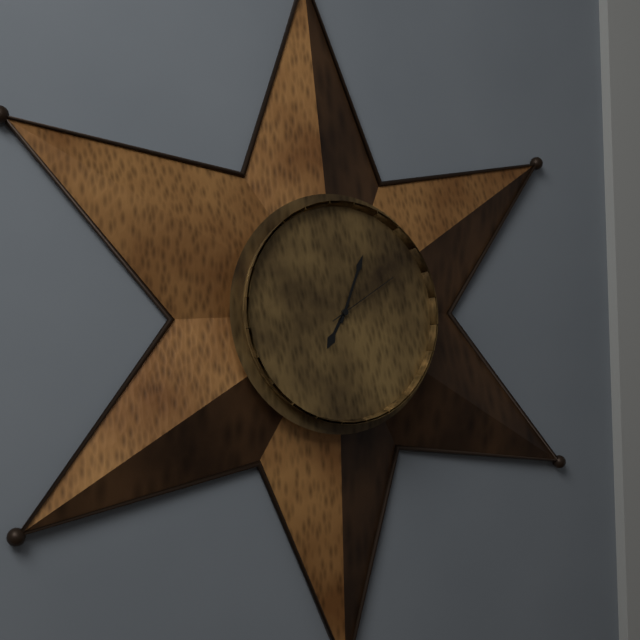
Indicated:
**7:04:10**
